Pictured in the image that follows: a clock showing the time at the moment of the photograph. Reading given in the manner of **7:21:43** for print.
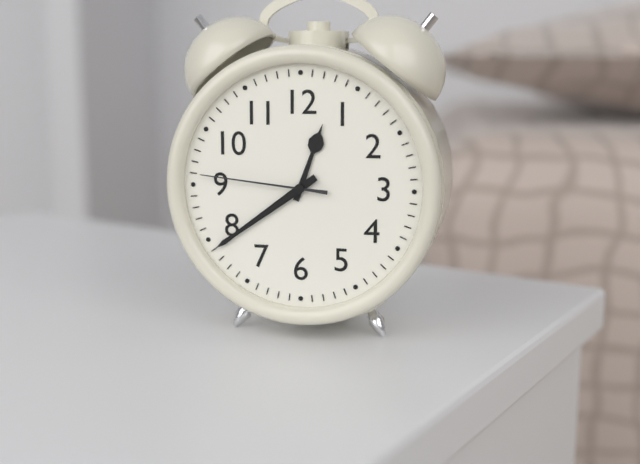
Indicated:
**12:39:46**
